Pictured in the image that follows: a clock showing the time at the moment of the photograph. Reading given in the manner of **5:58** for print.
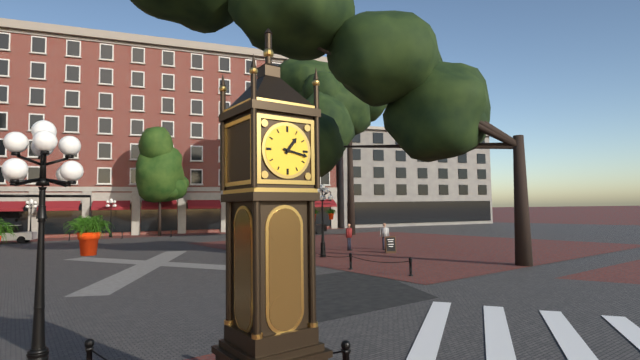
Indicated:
**1:17**
